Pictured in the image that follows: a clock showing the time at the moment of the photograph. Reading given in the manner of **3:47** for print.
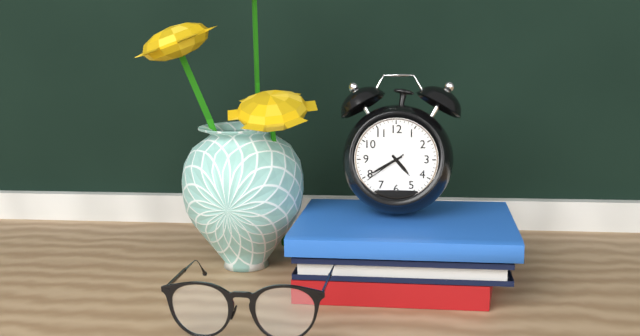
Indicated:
**4:40**
